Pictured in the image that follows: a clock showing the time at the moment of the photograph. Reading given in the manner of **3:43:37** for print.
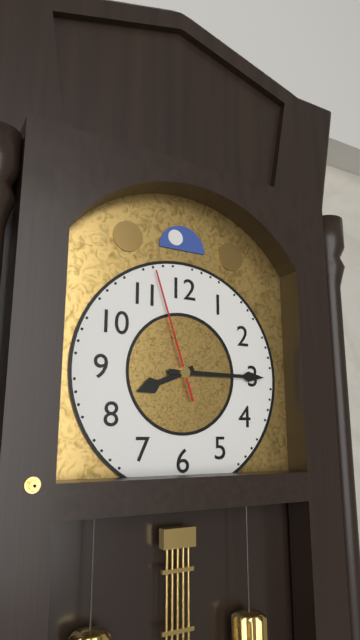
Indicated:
**8:15:57**
